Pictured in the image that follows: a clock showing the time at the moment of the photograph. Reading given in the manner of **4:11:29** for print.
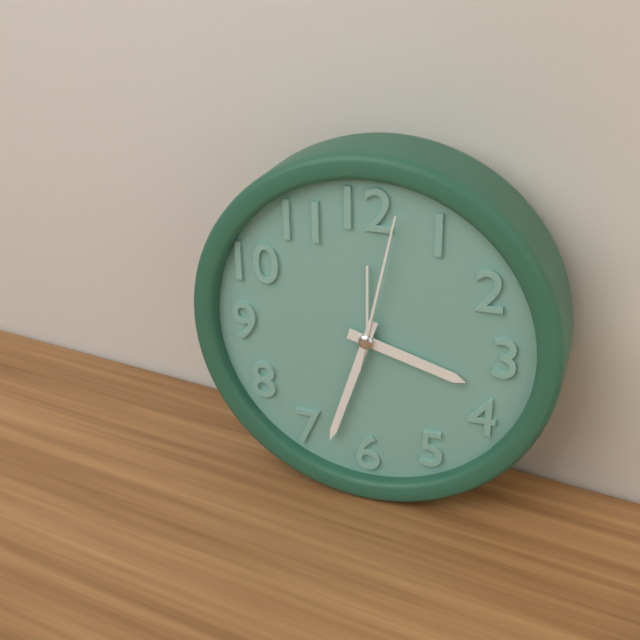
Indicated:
**3:33:02**
